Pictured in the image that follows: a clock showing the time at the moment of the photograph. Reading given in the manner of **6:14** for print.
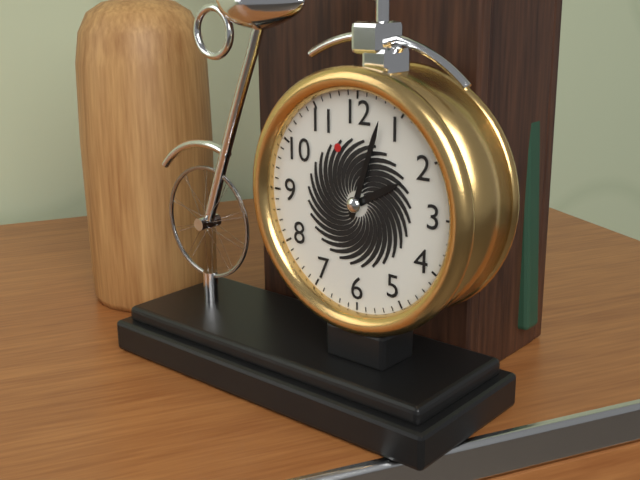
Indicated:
**2:03**
